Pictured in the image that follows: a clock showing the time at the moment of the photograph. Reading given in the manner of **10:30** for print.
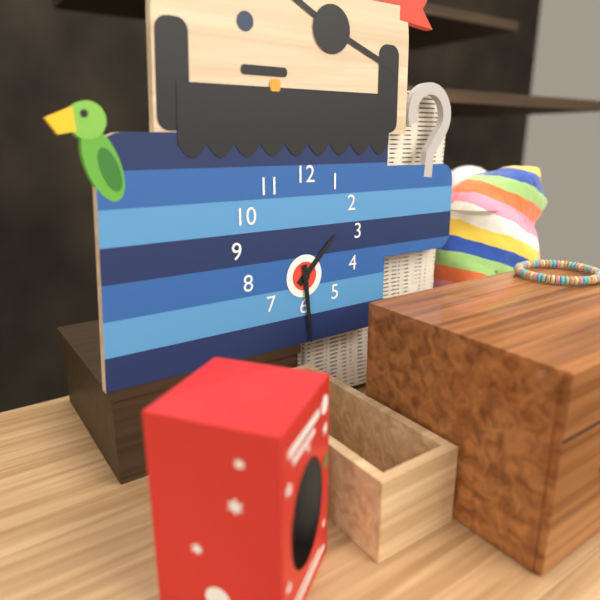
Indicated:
**1:29**
